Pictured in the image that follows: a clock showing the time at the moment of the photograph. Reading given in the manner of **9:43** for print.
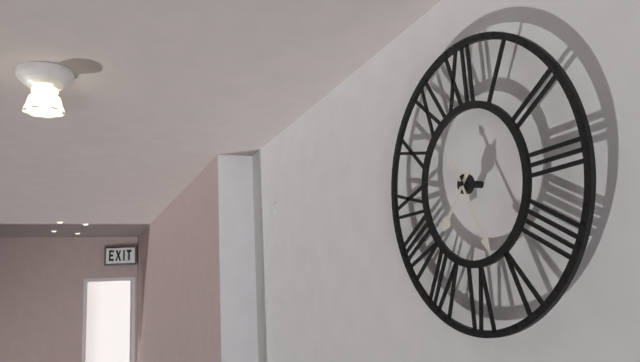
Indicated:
**7:26**
